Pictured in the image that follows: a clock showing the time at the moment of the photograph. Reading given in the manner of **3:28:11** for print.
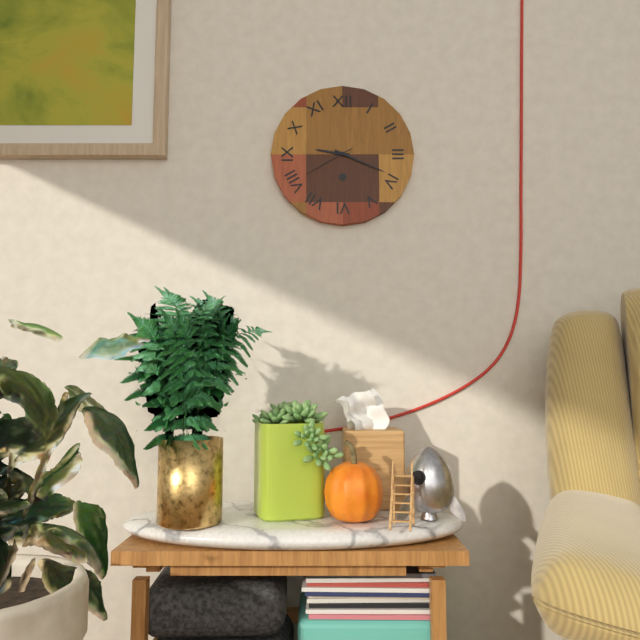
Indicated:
**9:19:40**
